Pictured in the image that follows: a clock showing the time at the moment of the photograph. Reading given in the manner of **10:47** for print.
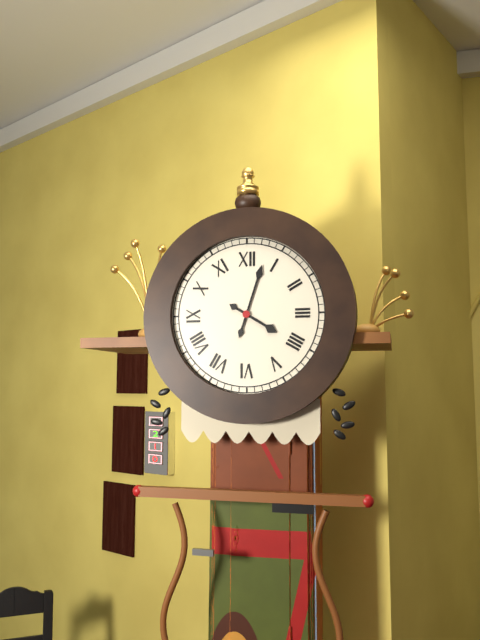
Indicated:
**4:03**
